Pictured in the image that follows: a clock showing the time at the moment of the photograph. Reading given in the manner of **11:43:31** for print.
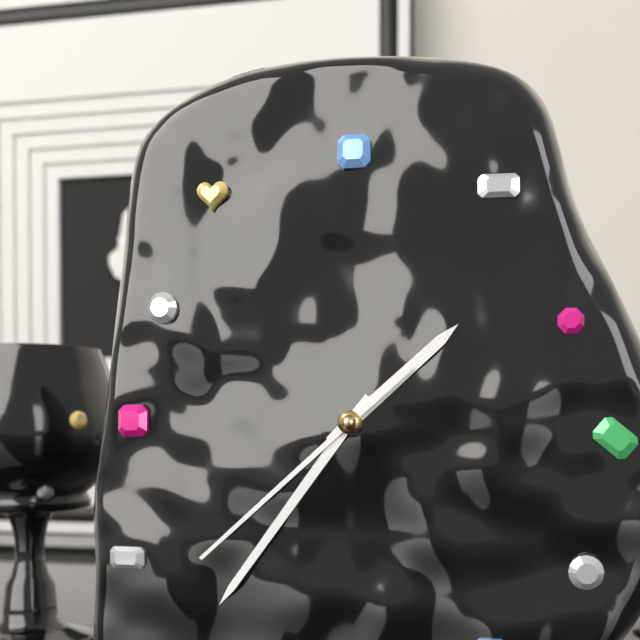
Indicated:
**1:36:38**
